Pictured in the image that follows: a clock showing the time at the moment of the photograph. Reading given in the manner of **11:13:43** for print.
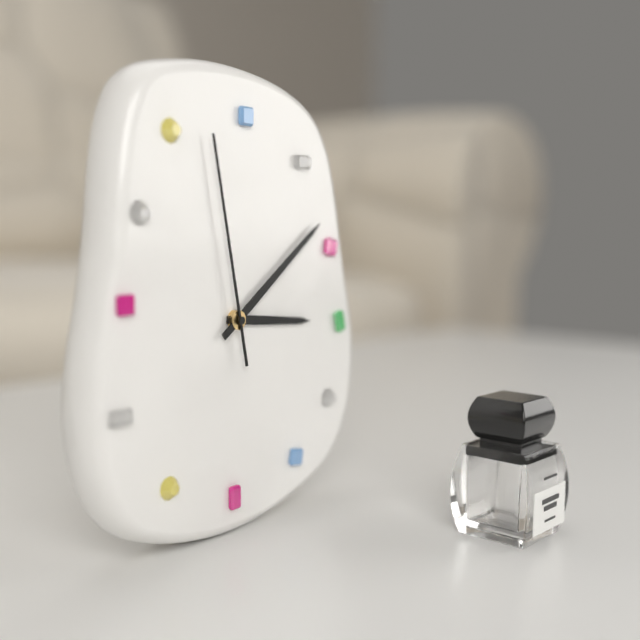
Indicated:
**3:09:58**
